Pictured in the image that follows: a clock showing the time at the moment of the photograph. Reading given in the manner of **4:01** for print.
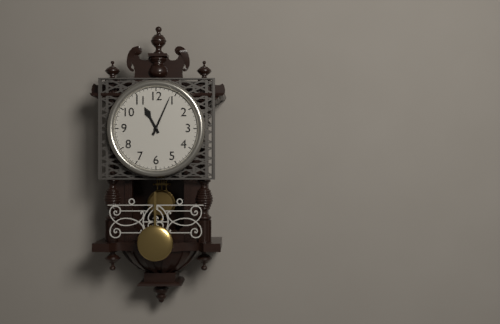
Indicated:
**11:04**
